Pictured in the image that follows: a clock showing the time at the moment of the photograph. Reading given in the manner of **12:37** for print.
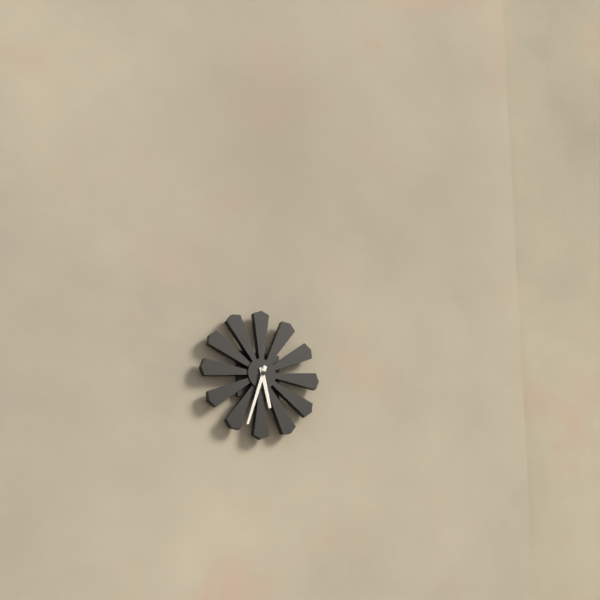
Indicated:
**5:33**
